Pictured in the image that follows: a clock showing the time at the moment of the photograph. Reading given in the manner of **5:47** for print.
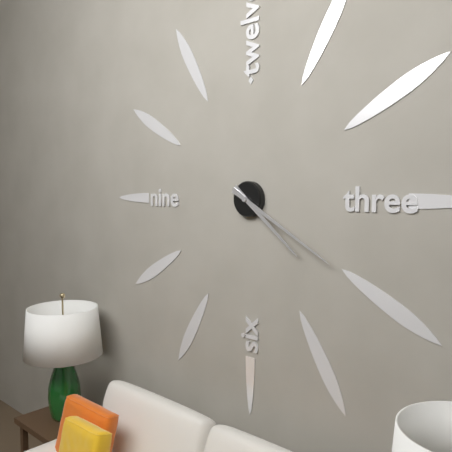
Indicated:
**4:20**
